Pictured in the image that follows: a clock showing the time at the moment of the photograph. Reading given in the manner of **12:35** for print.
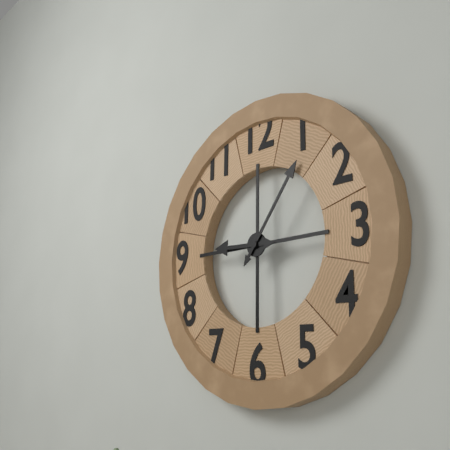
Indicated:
**9:06**
